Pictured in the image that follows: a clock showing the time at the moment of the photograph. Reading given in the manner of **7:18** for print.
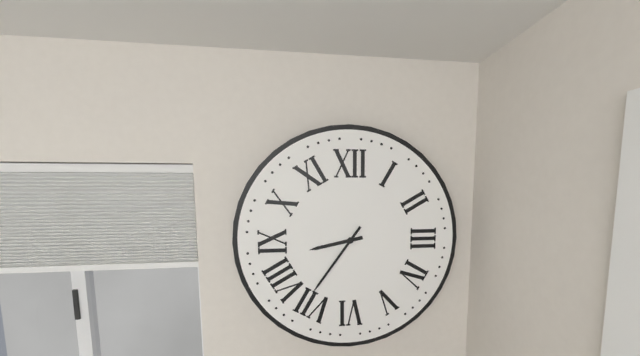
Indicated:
**8:36**
